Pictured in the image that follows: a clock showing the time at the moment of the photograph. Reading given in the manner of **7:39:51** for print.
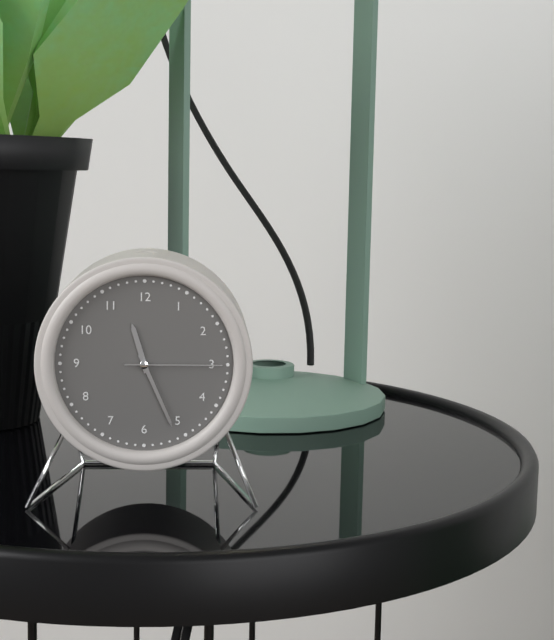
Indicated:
**11:26:15**
